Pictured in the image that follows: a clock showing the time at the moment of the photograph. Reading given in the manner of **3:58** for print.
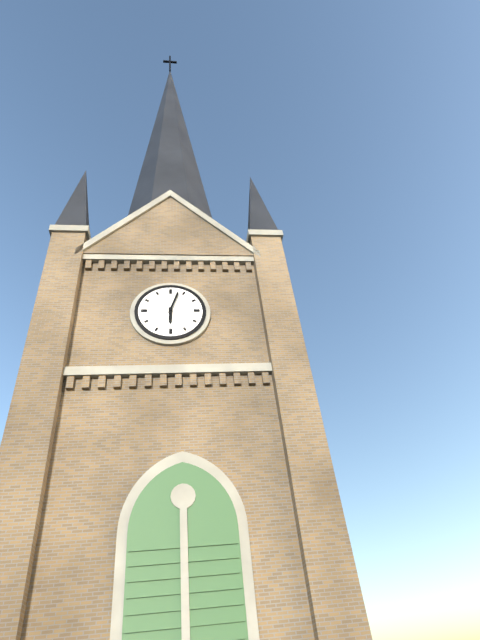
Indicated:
**6:03**
